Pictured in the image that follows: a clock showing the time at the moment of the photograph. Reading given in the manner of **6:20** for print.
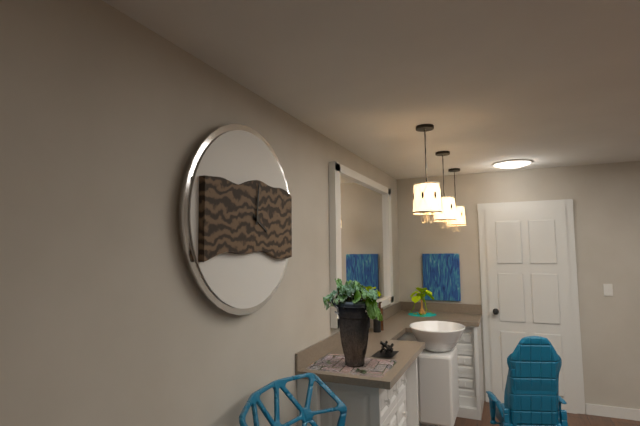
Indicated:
**4:01**
